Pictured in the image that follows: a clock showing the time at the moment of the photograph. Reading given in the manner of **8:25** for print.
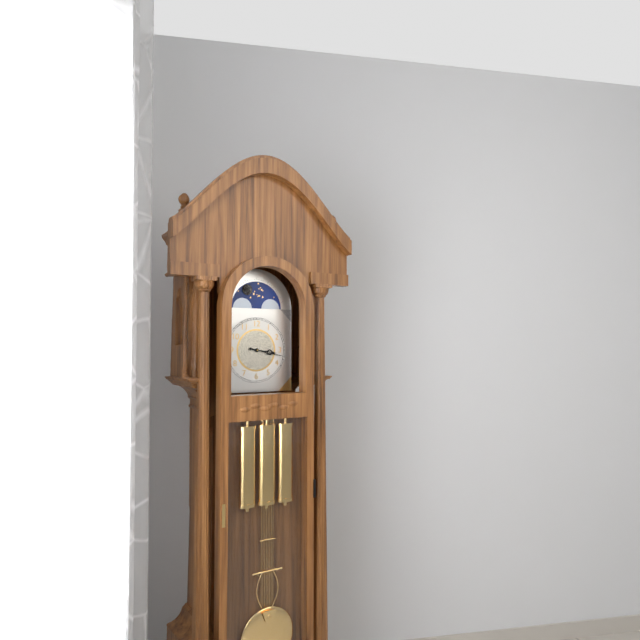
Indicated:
**3:17**
